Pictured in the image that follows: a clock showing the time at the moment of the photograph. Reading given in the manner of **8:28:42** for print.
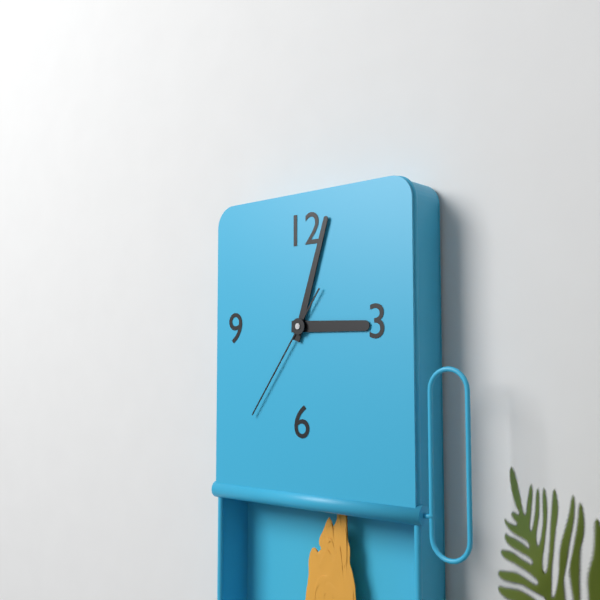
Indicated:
**3:03:36**
